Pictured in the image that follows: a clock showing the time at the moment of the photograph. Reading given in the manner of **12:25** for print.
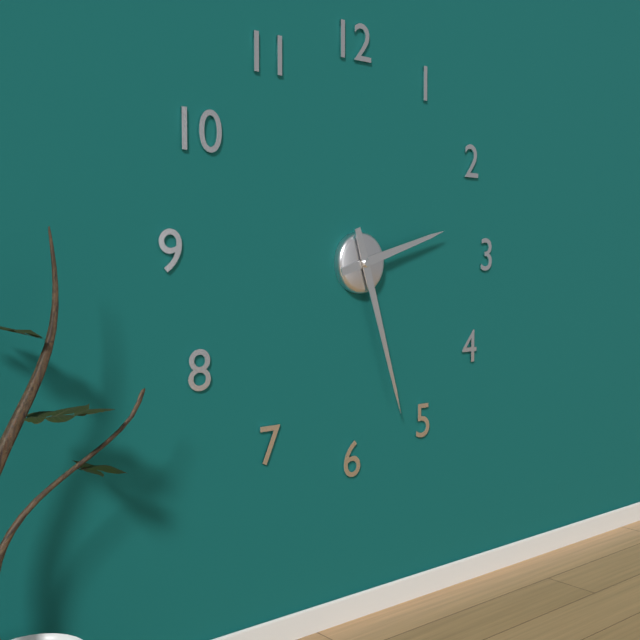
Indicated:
**2:27**
